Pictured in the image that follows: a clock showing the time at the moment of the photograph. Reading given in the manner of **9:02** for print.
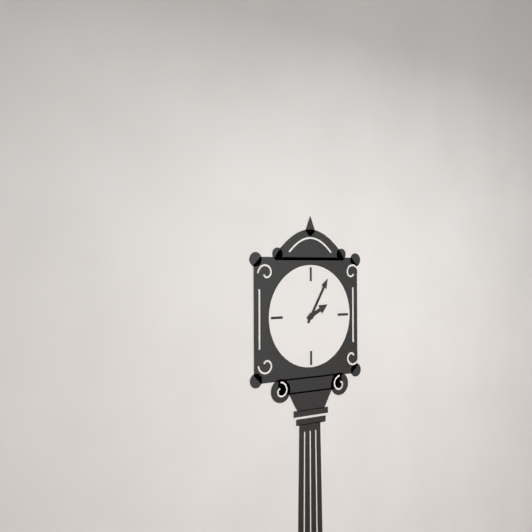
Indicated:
**2:05**
